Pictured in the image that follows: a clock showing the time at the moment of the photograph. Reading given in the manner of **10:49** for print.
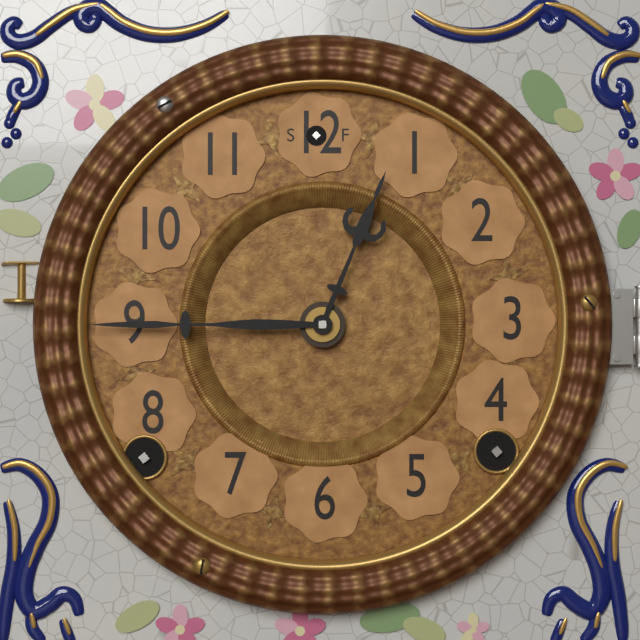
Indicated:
**12:45**
